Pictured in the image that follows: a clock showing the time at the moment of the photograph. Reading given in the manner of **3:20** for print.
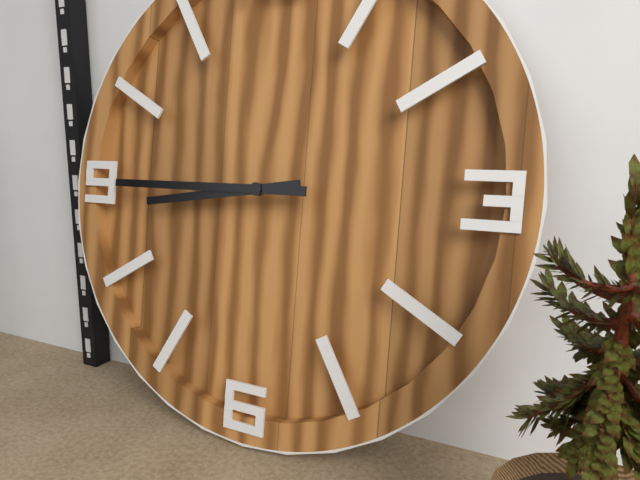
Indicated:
**8:45**
